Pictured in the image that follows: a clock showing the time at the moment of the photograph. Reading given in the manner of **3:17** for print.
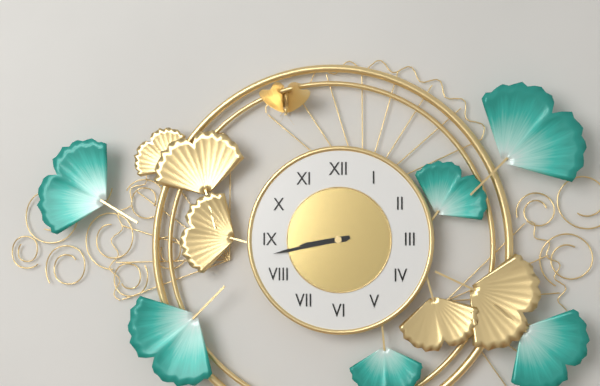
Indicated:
**8:43**
